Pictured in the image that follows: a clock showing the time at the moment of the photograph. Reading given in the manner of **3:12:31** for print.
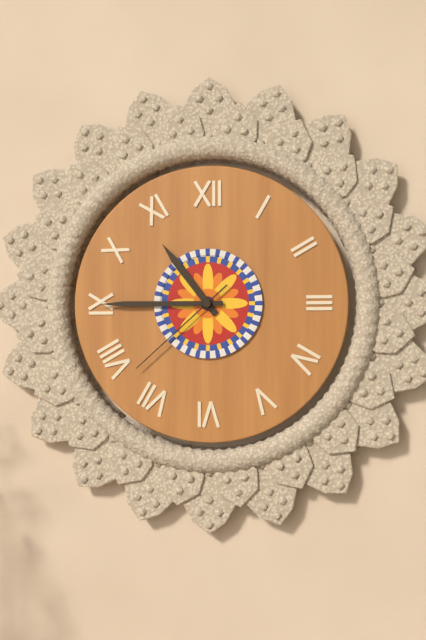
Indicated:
**10:45:38**
